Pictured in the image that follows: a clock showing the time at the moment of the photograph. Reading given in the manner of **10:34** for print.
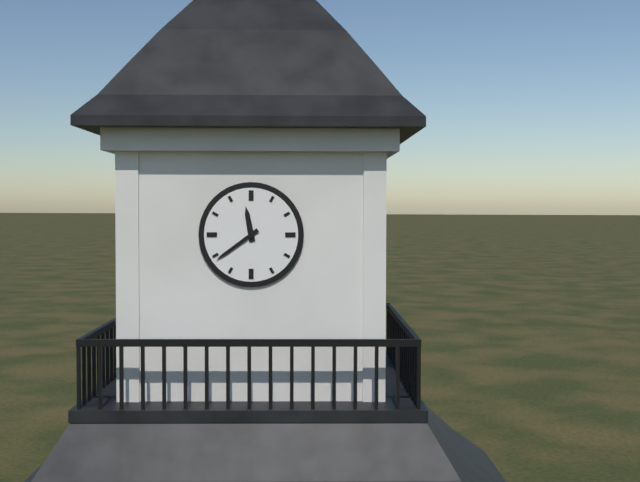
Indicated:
**11:39**
